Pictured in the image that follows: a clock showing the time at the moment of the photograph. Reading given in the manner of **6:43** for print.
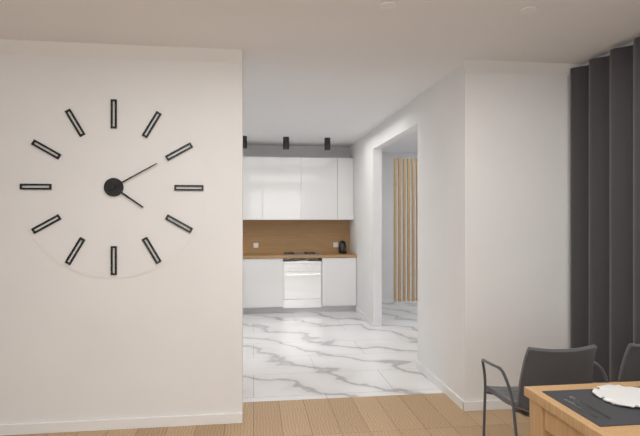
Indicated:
**4:10**
